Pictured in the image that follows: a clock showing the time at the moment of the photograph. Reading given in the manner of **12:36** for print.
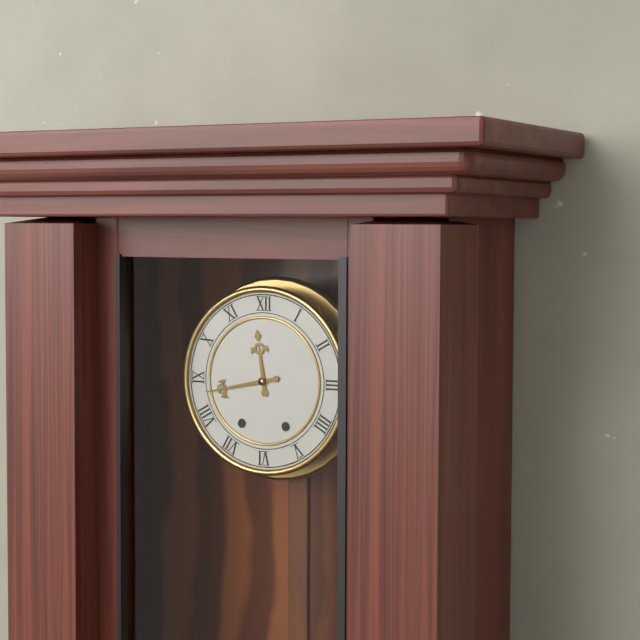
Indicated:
**11:43**
